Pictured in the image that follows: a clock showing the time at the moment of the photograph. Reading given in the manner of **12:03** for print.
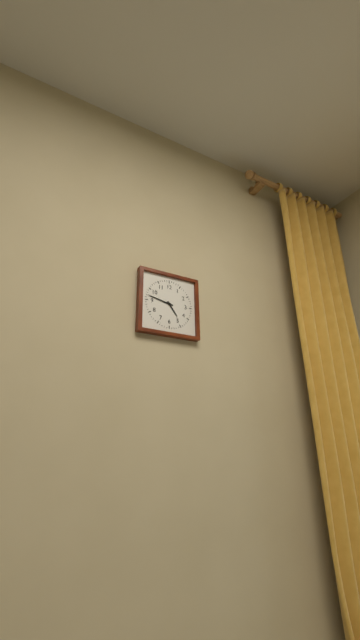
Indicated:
**4:47**
